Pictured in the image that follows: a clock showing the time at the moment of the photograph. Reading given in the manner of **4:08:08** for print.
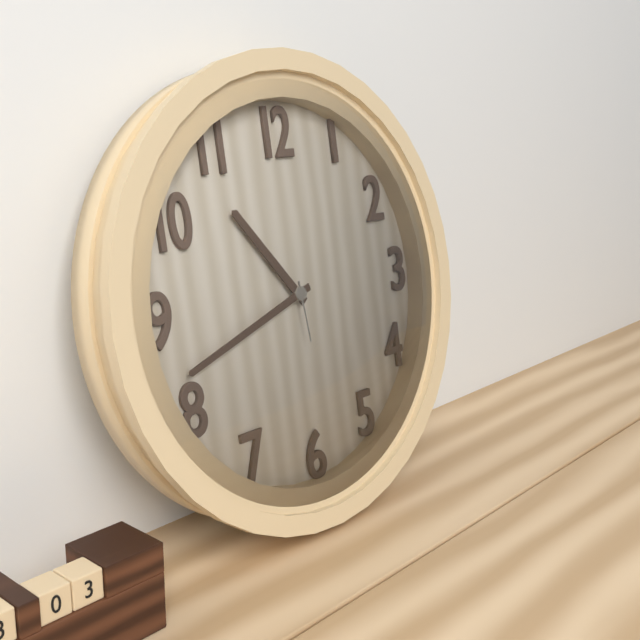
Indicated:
**10:42:29**
